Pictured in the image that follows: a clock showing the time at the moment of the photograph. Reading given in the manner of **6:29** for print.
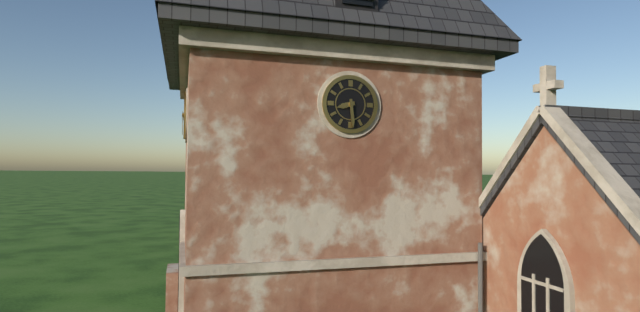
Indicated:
**8:29**
